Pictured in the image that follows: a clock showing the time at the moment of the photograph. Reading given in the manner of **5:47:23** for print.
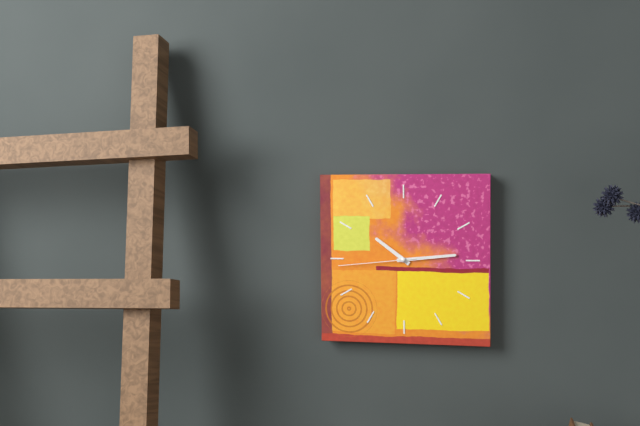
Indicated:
**10:14:44**
